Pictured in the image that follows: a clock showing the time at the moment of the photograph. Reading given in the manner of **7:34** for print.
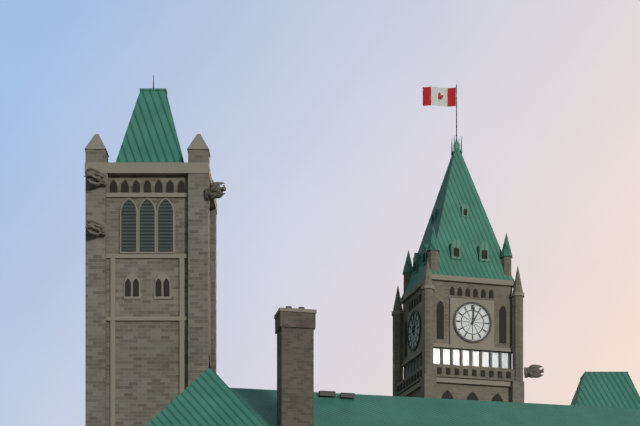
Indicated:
**1:01**
